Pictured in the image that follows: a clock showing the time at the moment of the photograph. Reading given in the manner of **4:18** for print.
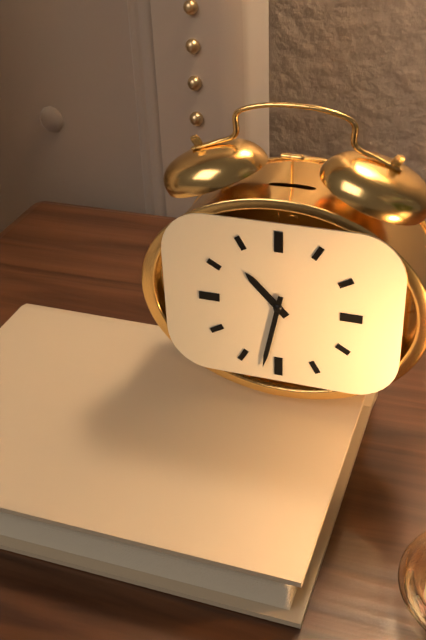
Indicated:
**10:32**
